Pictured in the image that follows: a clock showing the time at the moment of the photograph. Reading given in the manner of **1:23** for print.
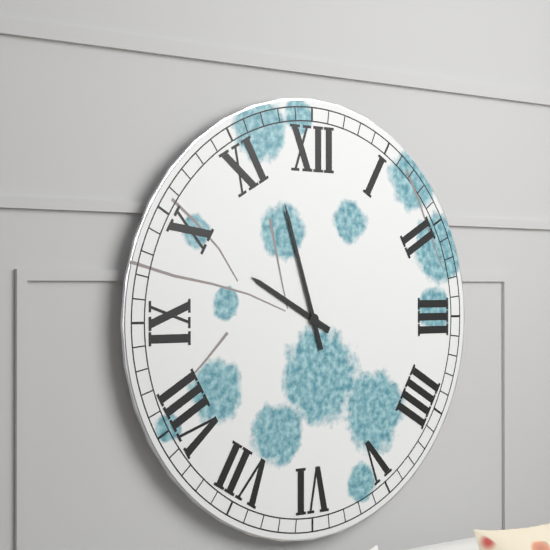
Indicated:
**9:57**
